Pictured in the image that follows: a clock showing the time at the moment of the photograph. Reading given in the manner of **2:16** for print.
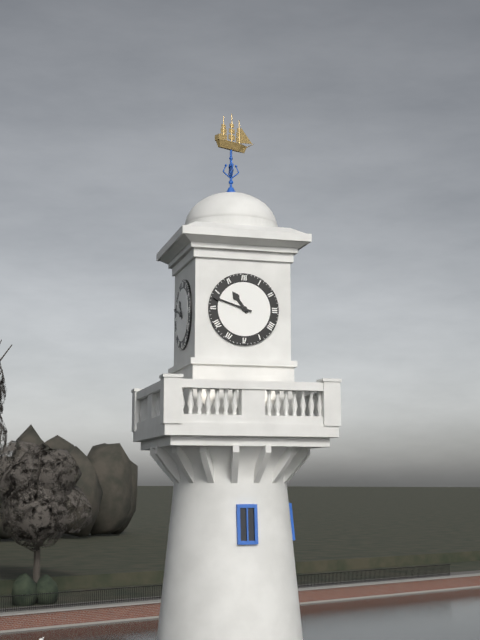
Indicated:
**10:48**
